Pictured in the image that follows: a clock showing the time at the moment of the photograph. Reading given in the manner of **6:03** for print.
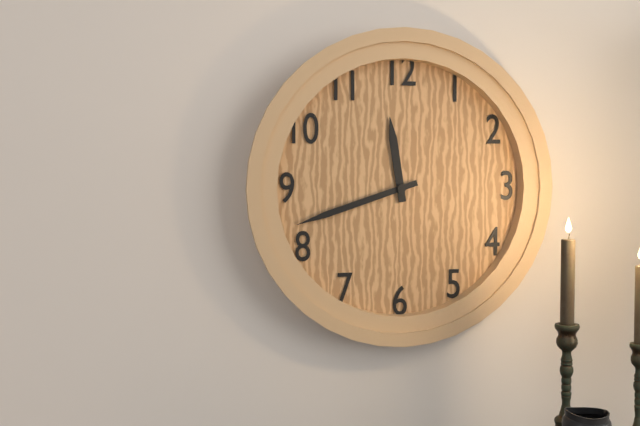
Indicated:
**11:42**
